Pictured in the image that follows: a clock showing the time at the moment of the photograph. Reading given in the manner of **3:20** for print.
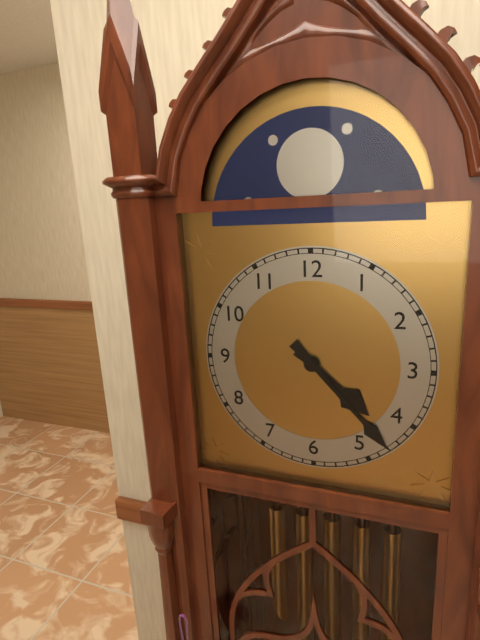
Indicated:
**4:23**
